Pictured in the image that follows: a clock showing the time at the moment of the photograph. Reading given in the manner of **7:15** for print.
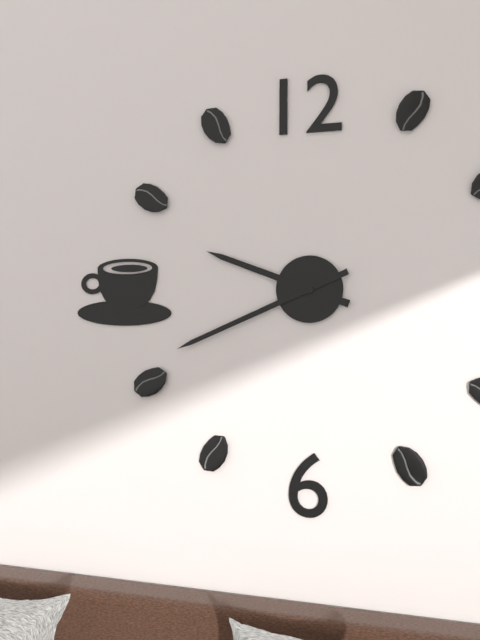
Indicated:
**9:41**
